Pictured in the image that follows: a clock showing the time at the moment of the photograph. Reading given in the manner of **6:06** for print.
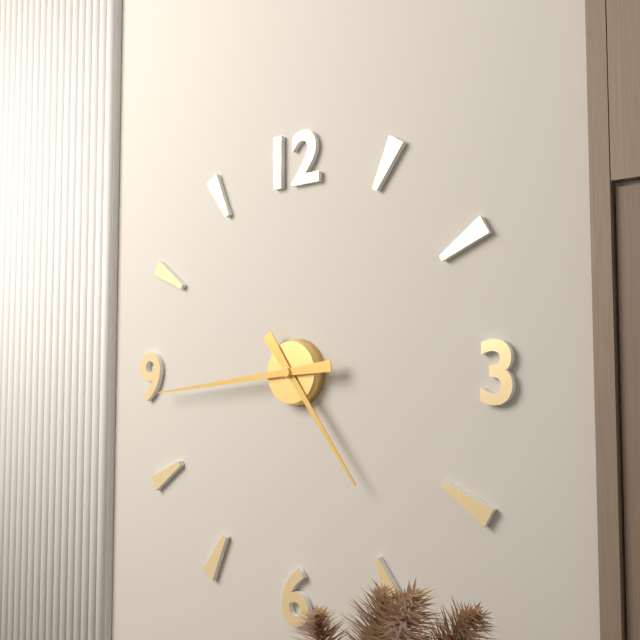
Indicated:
**4:44**
